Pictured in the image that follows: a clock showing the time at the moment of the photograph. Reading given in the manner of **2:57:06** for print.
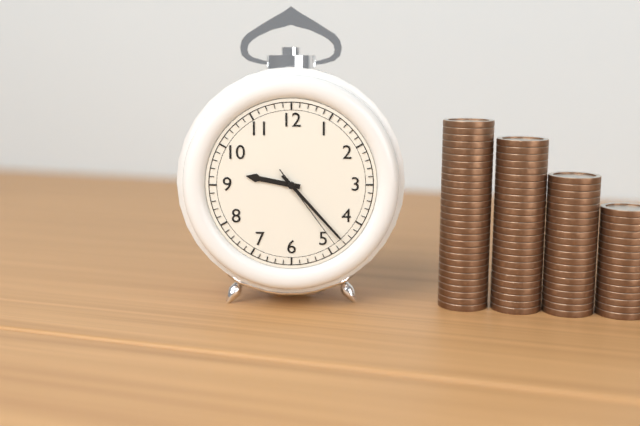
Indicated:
**9:23:24**
